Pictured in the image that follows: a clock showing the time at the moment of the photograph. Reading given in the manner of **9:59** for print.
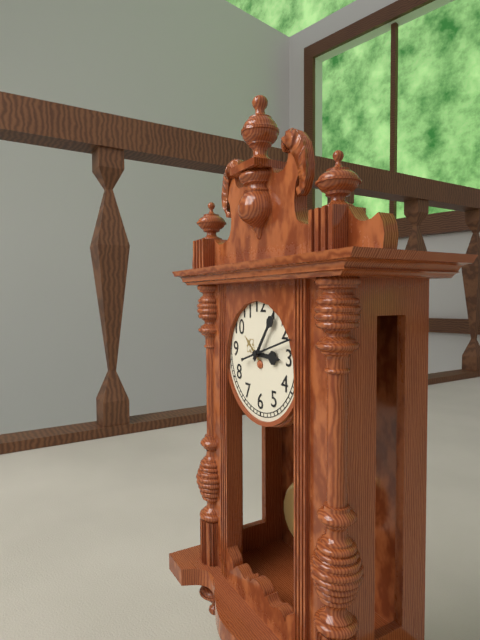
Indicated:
**3:06**
